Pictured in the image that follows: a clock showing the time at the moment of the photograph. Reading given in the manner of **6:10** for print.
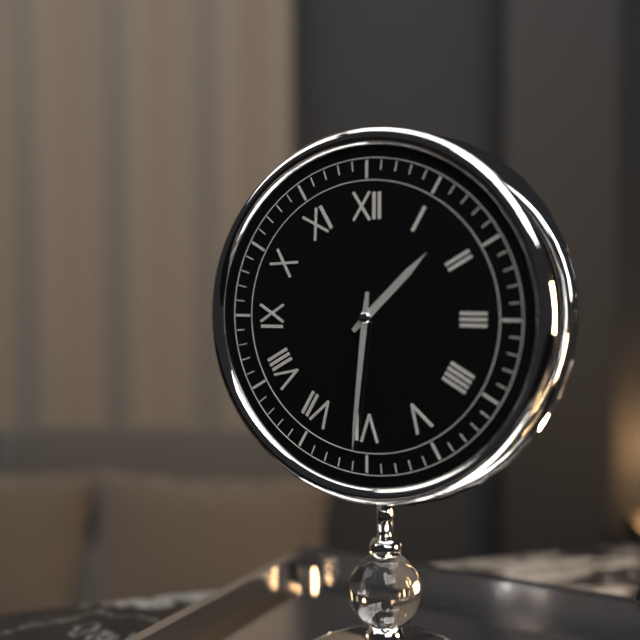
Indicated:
**1:31**
